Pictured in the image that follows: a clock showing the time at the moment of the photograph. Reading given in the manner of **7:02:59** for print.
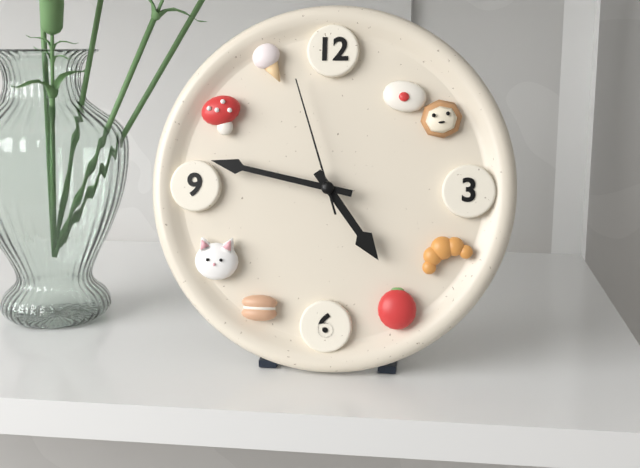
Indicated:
**4:47:57**
